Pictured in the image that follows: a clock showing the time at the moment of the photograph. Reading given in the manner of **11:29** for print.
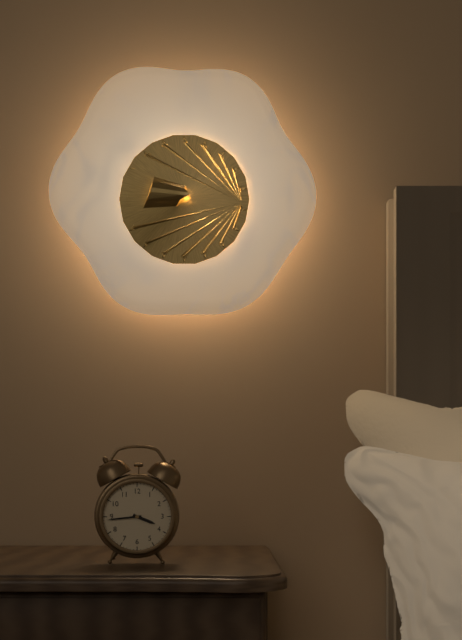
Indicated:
**3:44**
